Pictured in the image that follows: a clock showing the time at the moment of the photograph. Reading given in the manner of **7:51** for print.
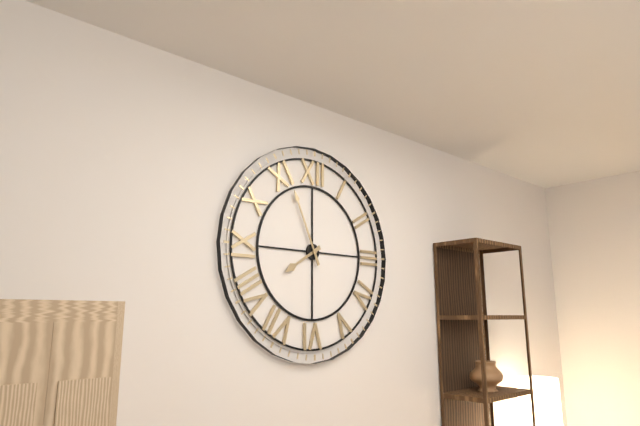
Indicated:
**7:56**
